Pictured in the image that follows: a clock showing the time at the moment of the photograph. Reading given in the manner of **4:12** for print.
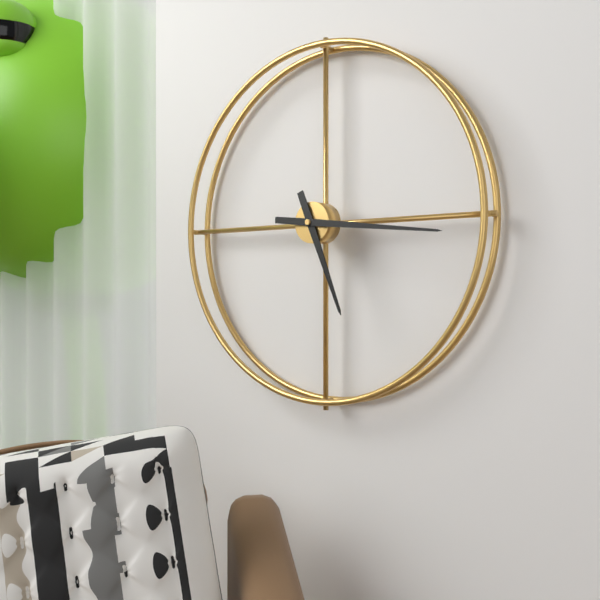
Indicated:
**5:16**
